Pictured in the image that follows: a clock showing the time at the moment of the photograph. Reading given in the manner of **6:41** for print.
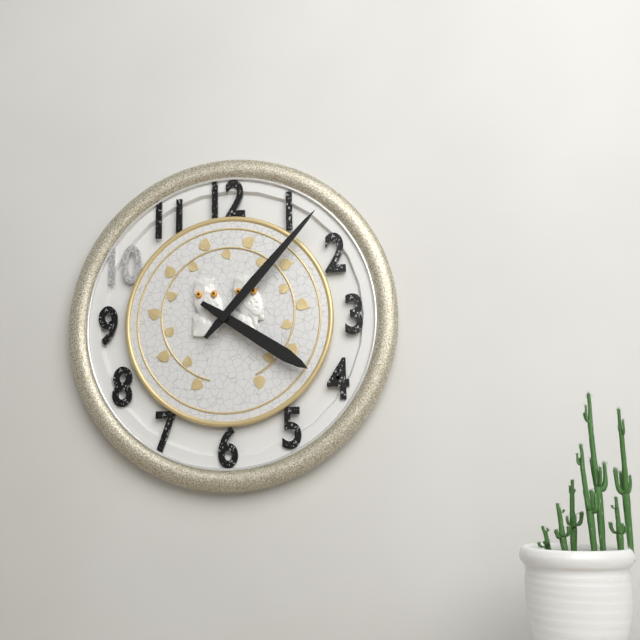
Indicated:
**4:07**
